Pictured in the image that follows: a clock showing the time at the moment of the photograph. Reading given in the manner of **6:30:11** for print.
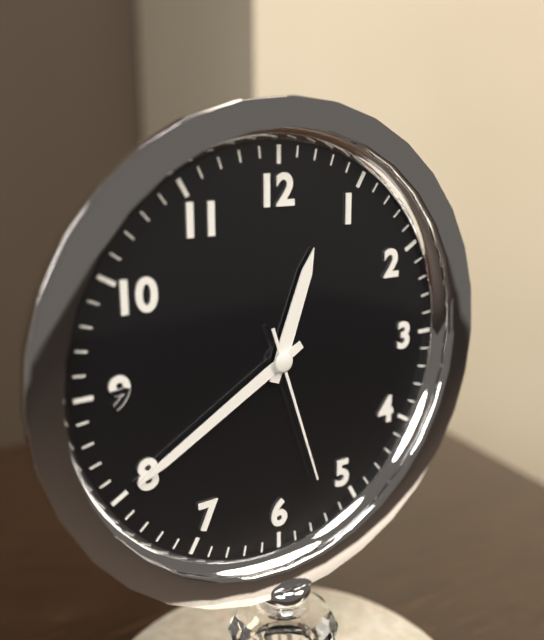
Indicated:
**12:40:27**
